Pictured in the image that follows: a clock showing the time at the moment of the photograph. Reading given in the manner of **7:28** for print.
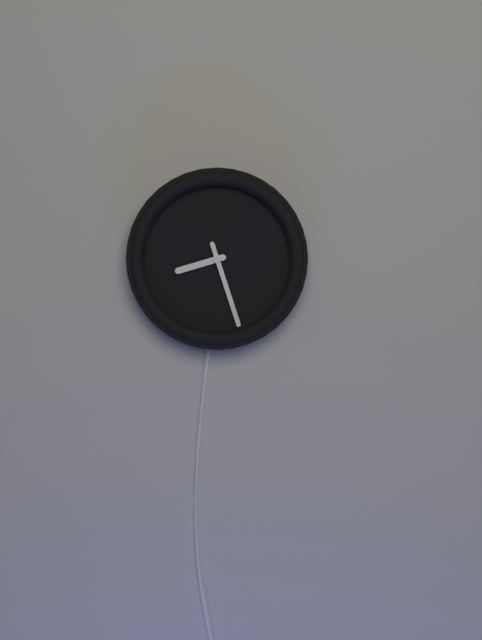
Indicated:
**8:27**
